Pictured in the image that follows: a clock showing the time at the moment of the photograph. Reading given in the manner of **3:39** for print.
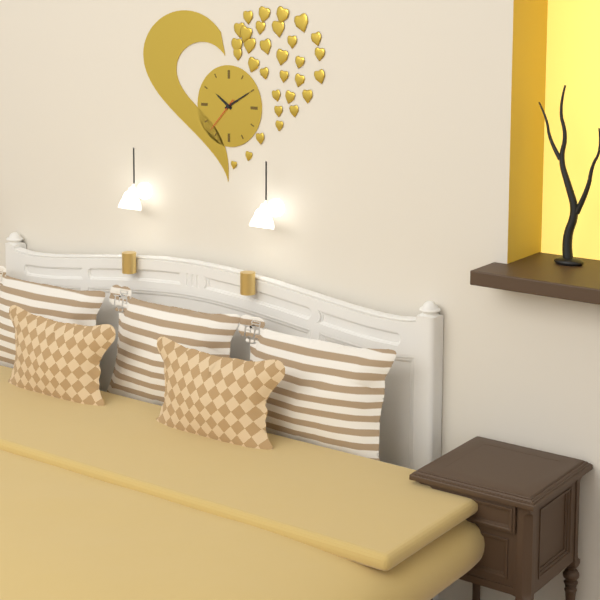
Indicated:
**10:10**
